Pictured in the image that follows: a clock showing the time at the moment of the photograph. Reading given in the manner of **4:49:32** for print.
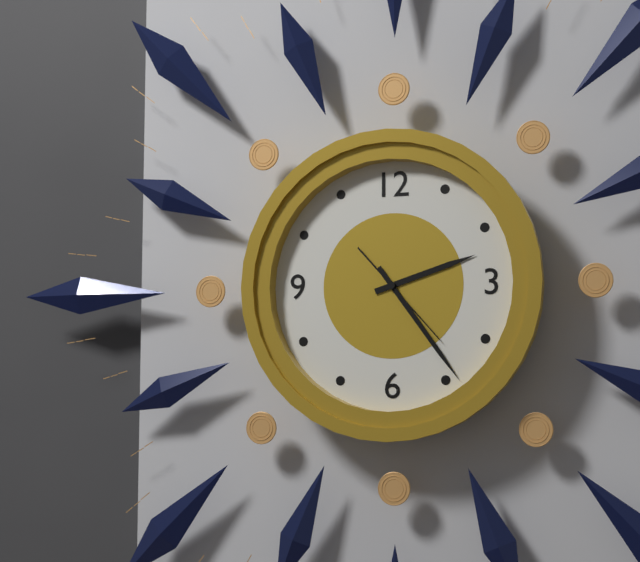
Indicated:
**2:24:23**
